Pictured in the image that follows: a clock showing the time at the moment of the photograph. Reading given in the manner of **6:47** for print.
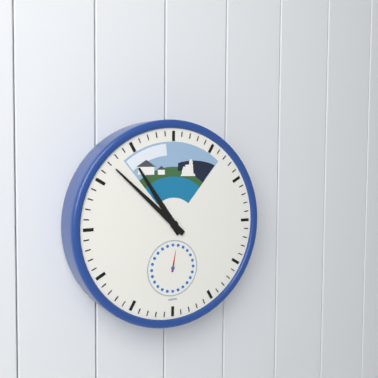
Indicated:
**10:52**
